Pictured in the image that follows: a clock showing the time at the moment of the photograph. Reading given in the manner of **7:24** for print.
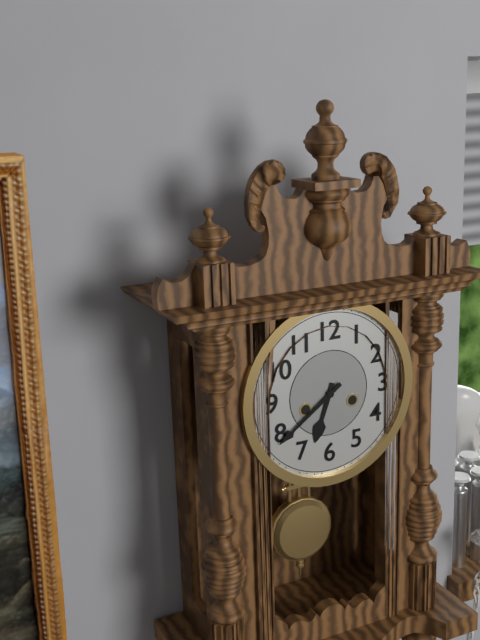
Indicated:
**6:39**
